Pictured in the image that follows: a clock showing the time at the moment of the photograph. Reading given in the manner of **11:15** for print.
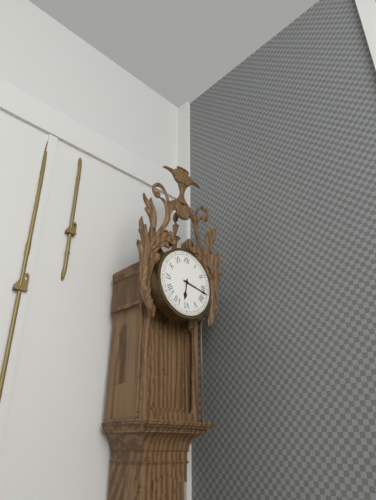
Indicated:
**6:17**
